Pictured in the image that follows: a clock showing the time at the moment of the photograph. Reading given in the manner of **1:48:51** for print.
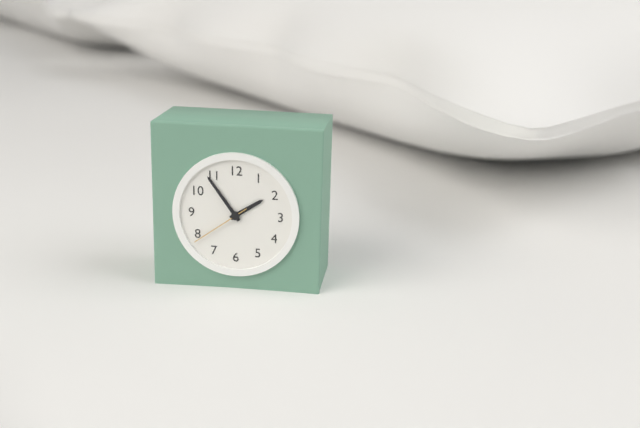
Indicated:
**1:54:39**
